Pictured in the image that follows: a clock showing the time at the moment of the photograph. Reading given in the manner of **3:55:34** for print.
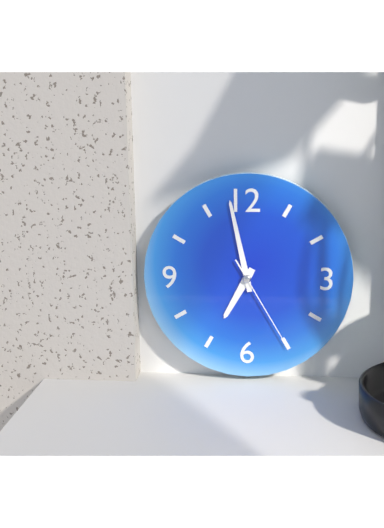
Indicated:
**6:58:25**
